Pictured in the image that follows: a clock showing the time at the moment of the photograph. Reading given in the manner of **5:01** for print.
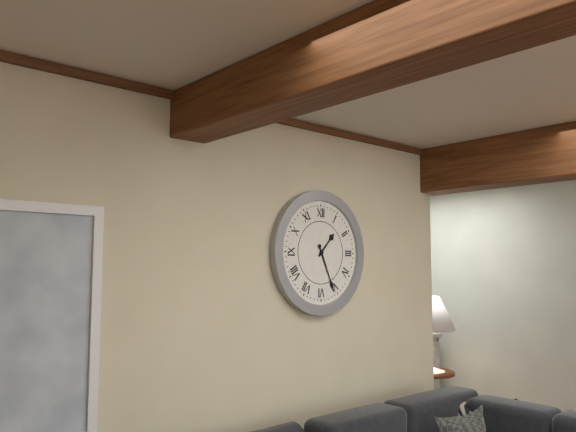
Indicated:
**1:26**
